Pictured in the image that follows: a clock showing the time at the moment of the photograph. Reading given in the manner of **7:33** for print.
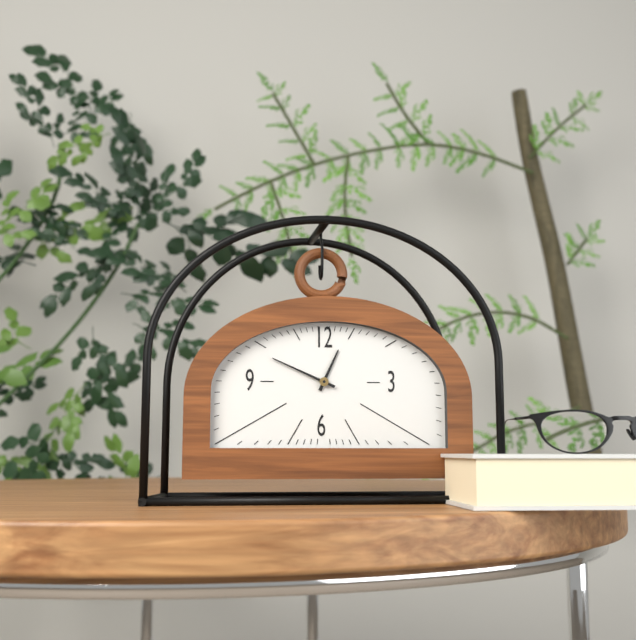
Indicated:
**12:49**
